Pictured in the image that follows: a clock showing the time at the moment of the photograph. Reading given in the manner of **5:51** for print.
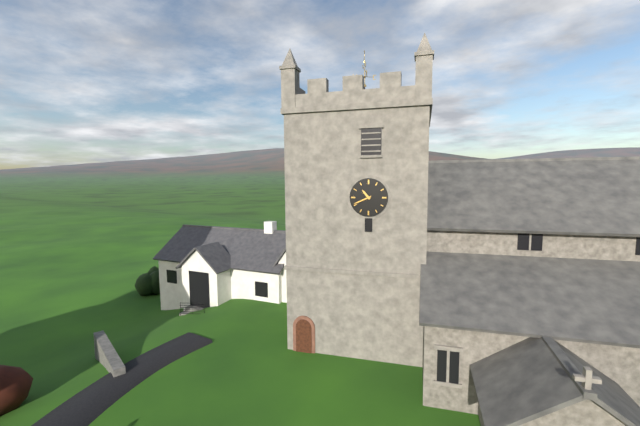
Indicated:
**10:41**
